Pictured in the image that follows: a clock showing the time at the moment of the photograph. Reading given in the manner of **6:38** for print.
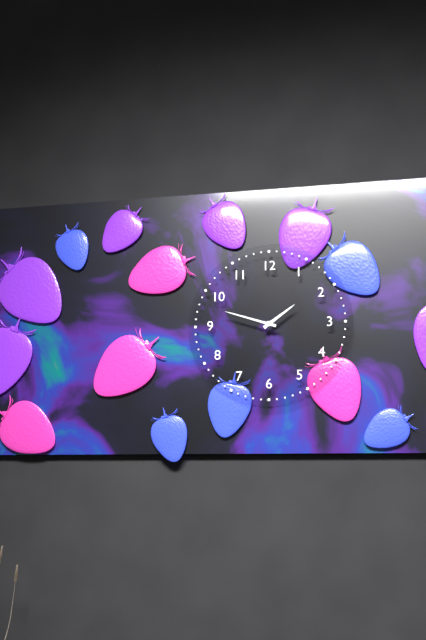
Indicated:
**1:48**
